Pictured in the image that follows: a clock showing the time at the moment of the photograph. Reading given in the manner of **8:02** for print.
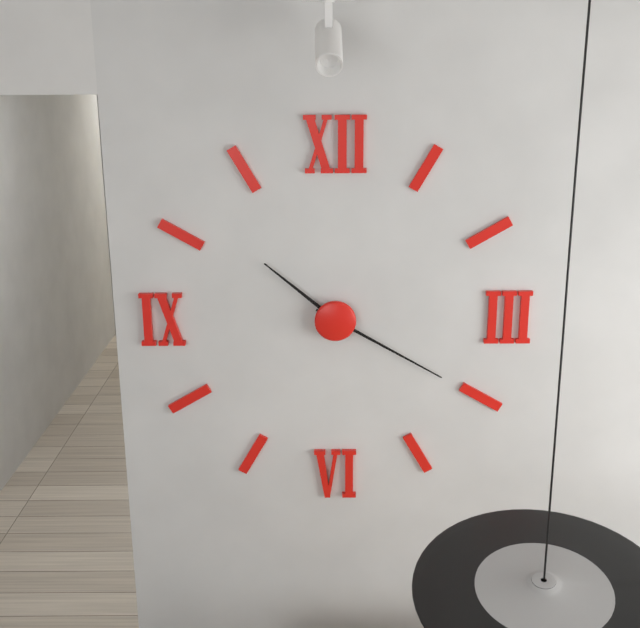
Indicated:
**10:20**
